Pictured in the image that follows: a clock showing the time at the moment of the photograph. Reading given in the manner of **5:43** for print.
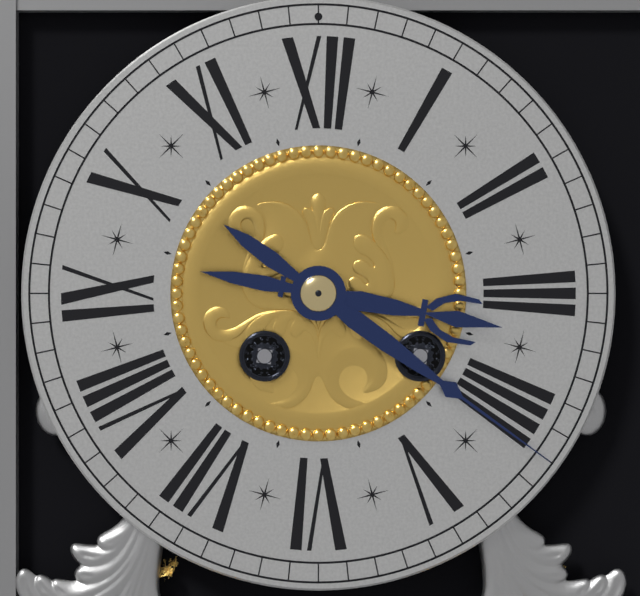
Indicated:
**3:21**
